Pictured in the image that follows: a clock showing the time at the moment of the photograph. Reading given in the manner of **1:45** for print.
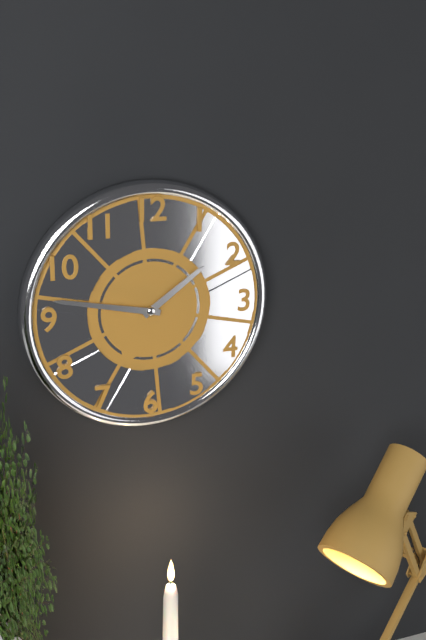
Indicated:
**1:47**
